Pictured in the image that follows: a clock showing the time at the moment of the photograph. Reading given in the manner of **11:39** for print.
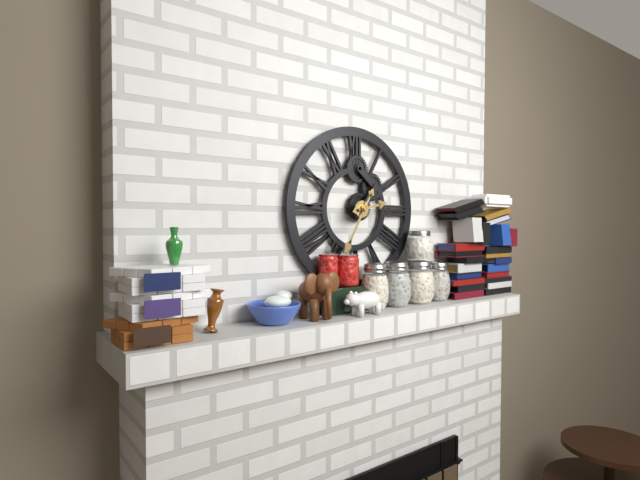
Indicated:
**2:35**
